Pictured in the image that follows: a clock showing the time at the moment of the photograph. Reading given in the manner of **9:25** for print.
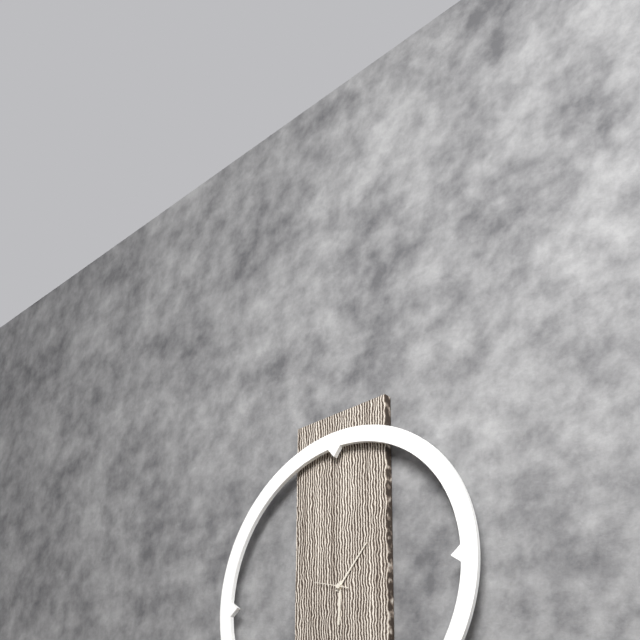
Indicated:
**6:07**
